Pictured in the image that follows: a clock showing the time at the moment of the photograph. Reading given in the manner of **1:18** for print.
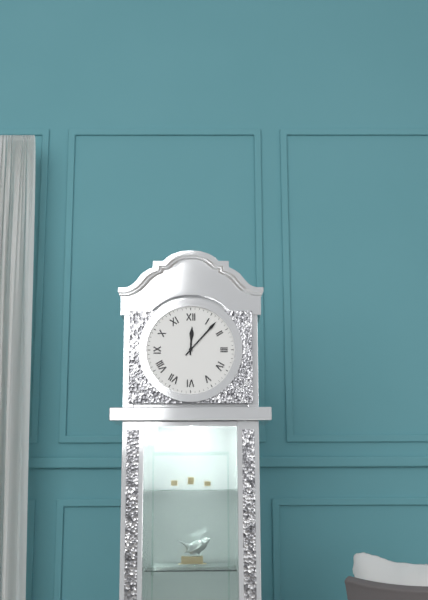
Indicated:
**12:07**
